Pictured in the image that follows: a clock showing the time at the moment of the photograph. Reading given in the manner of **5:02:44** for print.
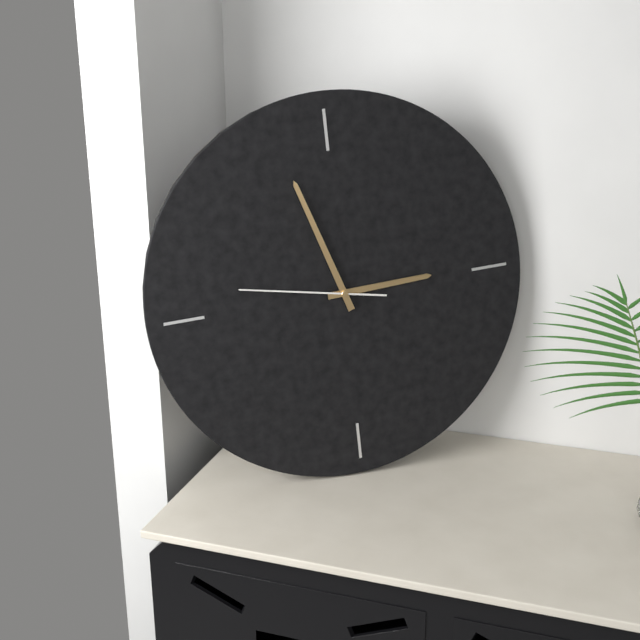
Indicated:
**2:57:47**
